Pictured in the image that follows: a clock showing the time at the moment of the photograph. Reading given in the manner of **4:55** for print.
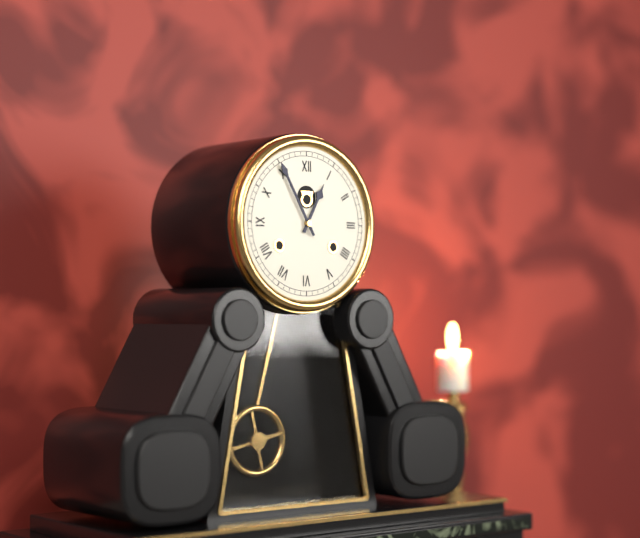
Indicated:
**12:55**
